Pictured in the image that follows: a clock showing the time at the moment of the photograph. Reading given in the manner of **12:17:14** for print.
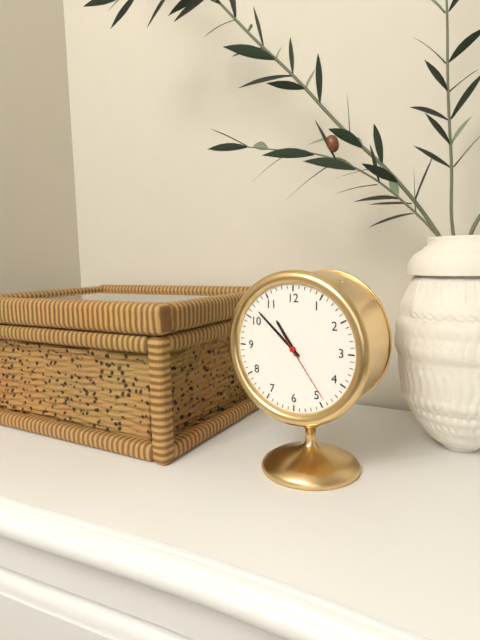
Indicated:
**10:52:24**
